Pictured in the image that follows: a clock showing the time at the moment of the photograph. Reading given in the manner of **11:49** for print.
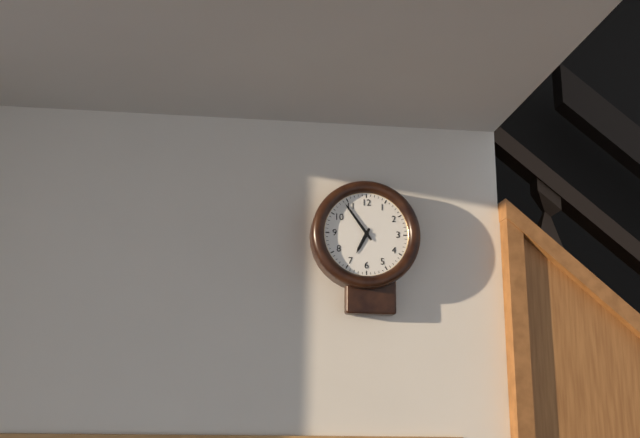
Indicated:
**6:54**
